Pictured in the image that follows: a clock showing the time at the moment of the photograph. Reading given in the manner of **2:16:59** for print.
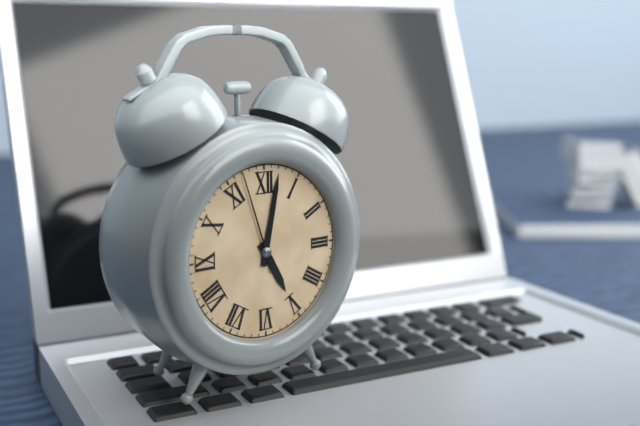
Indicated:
**5:02:57**
